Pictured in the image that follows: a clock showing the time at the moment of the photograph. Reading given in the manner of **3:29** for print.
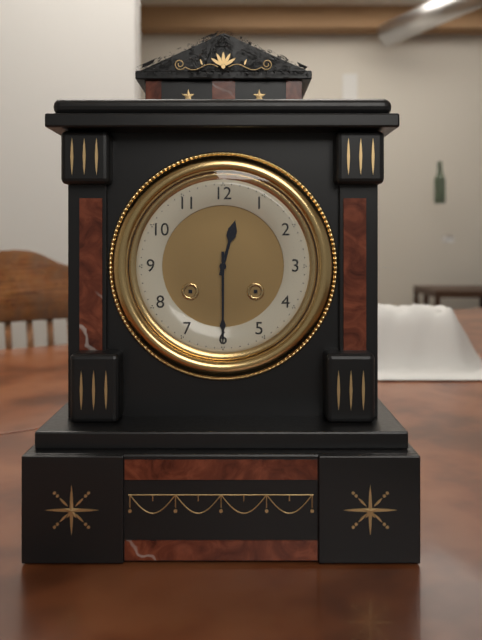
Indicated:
**12:30**
